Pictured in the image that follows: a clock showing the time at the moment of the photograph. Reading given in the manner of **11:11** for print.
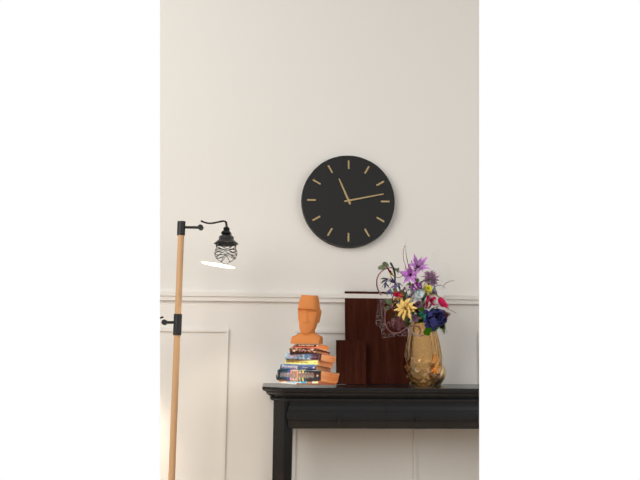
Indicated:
**11:13**
